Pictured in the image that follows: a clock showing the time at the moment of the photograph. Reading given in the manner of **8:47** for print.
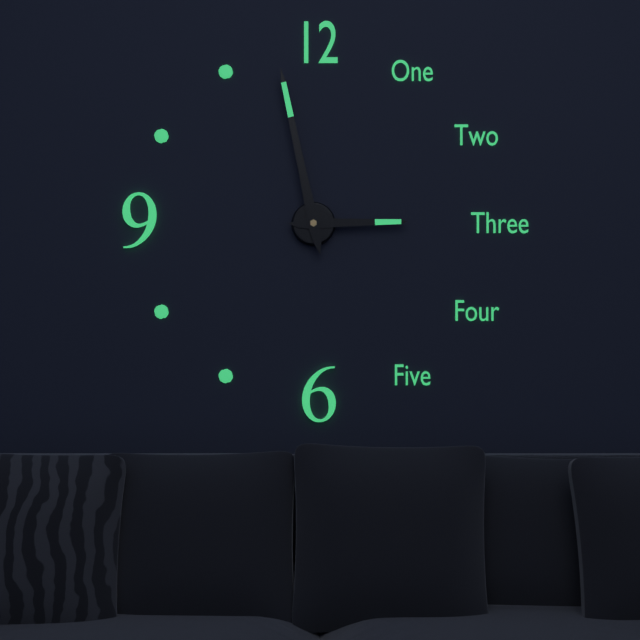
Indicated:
**2:58**
